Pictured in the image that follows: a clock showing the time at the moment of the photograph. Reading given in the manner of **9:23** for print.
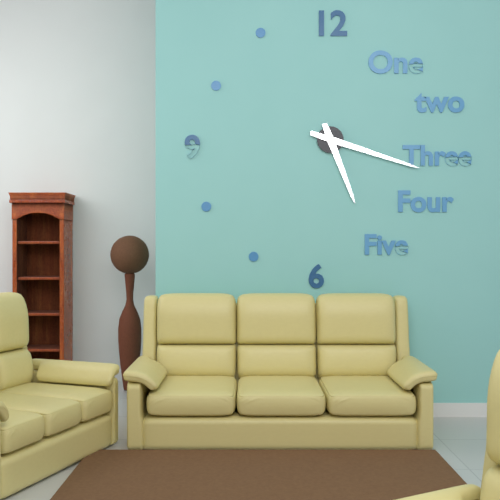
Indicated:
**5:18**
